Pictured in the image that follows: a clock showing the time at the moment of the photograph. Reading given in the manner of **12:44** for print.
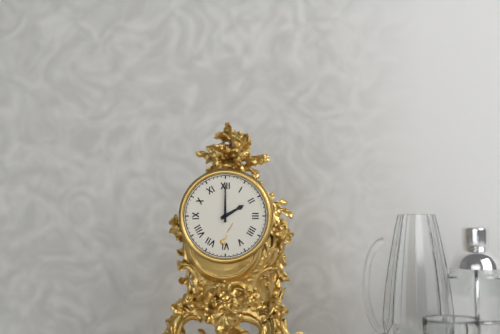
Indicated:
**2:00**
